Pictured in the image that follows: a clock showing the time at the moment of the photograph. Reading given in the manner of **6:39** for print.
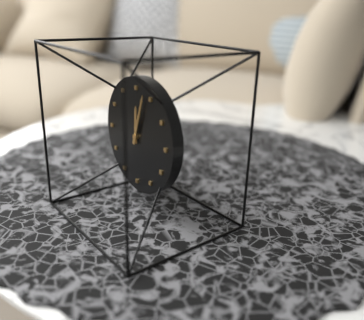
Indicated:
**12:03**
